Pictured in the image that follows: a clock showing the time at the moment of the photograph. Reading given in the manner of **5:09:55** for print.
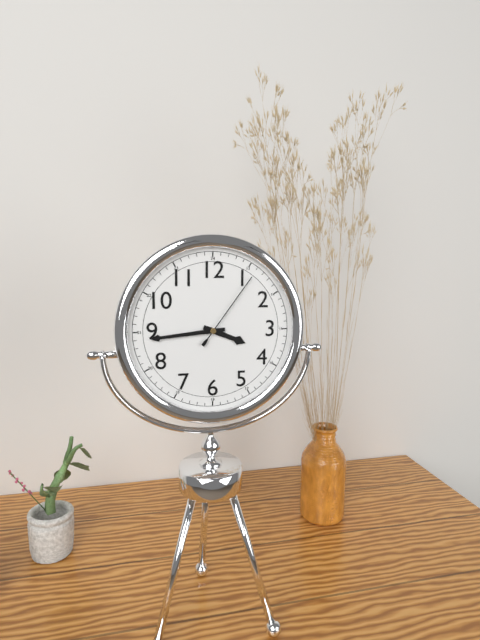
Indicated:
**3:44:06**
